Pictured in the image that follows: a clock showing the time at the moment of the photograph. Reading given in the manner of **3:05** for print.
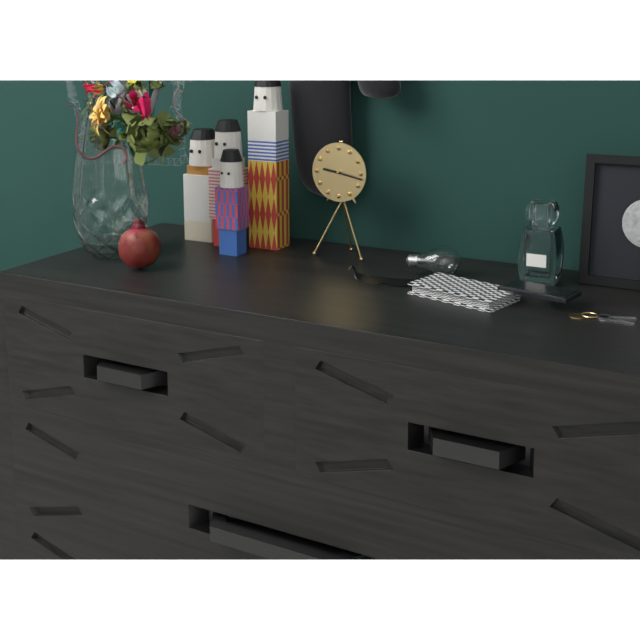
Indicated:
**9:17**
